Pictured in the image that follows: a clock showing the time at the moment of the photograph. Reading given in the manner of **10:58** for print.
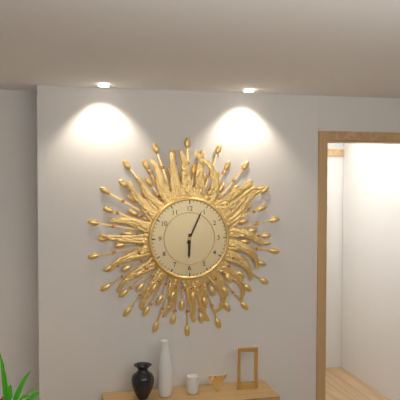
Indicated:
**6:04**
